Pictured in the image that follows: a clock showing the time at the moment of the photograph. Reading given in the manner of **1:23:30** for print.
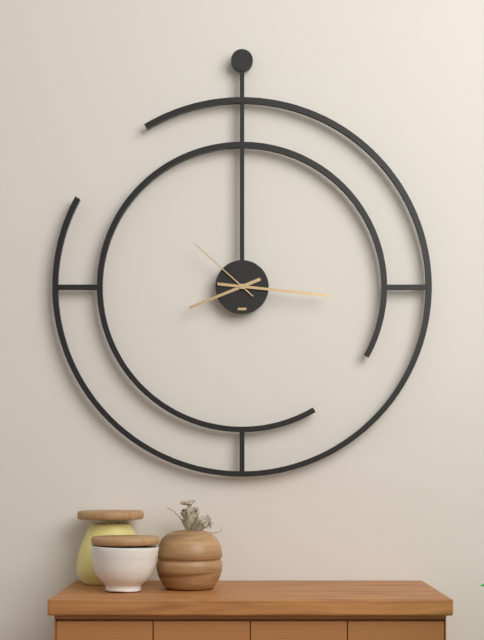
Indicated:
**8:16:52**
